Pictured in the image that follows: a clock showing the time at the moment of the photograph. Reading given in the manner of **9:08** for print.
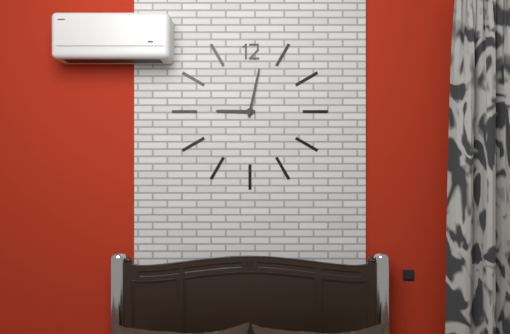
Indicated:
**9:02**
